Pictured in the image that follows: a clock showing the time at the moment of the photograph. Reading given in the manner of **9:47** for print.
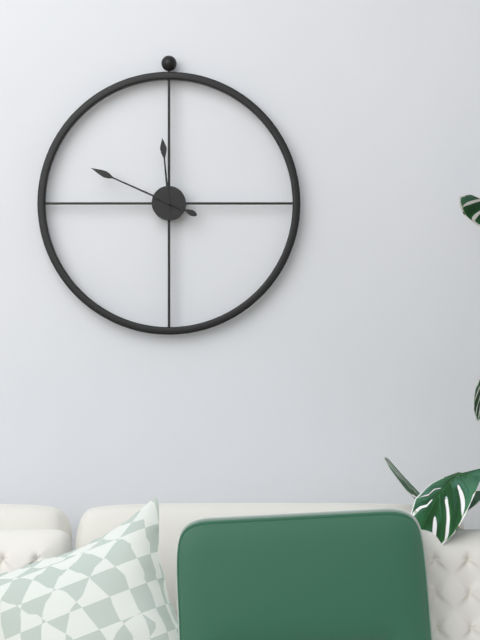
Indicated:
**11:49**
